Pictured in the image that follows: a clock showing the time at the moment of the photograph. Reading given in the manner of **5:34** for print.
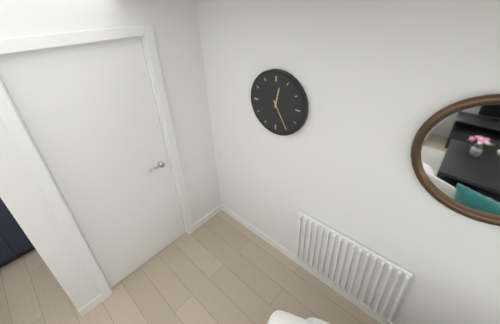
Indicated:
**12:25**
